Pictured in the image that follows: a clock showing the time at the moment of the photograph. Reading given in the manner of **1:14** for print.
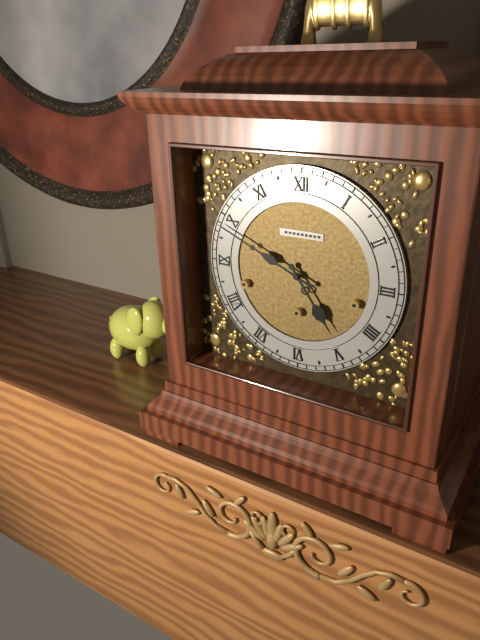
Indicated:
**4:49**
